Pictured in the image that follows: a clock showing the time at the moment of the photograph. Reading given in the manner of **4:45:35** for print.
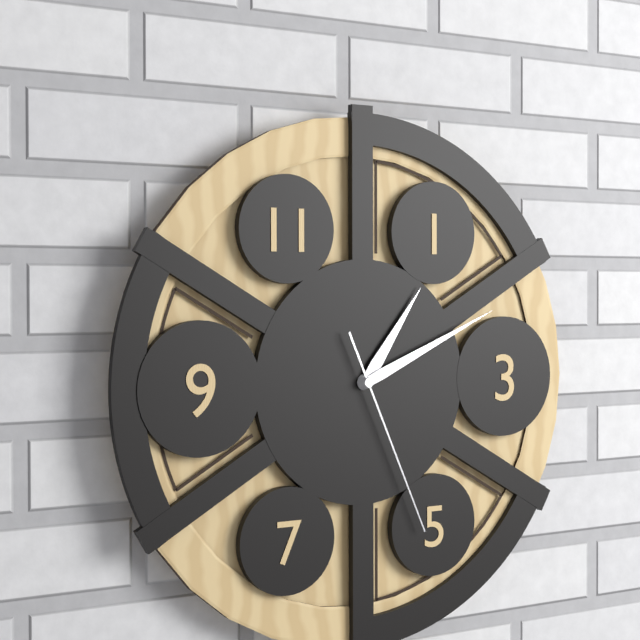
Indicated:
**1:11:26**
